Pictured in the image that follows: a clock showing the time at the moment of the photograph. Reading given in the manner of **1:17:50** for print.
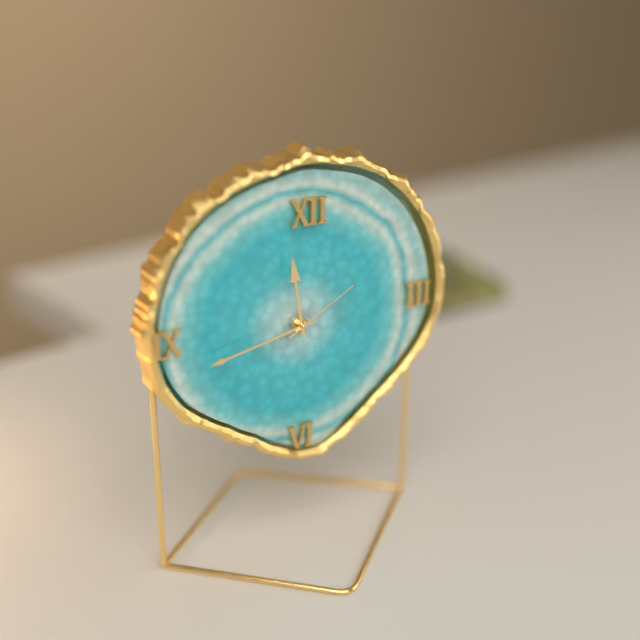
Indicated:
**11:43:10**
